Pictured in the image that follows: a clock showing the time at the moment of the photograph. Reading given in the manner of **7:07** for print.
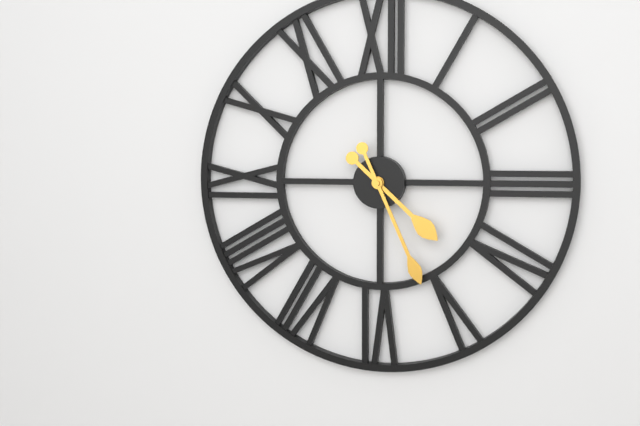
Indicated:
**4:26**
